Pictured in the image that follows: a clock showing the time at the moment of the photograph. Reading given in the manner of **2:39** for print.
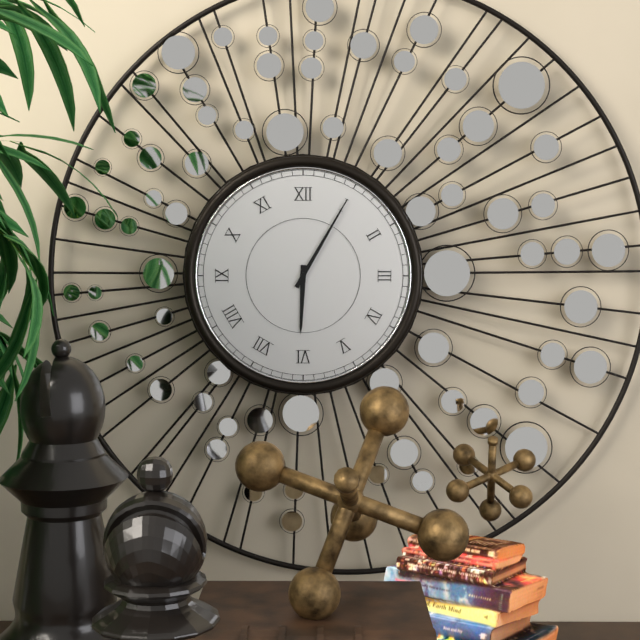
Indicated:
**6:05**
